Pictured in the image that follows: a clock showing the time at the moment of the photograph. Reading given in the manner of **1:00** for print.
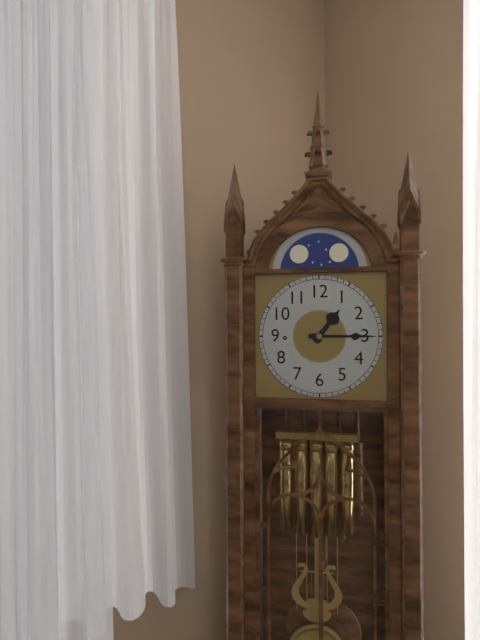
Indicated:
**1:15**
